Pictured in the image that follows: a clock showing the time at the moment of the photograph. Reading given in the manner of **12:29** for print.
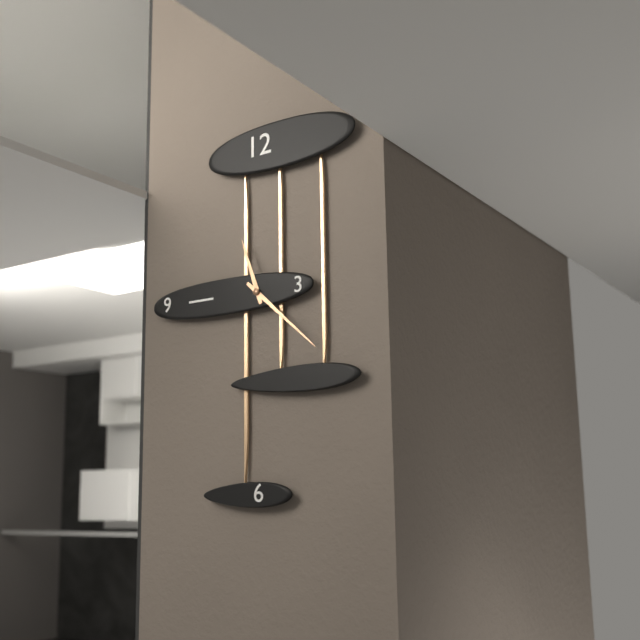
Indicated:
**11:22**
